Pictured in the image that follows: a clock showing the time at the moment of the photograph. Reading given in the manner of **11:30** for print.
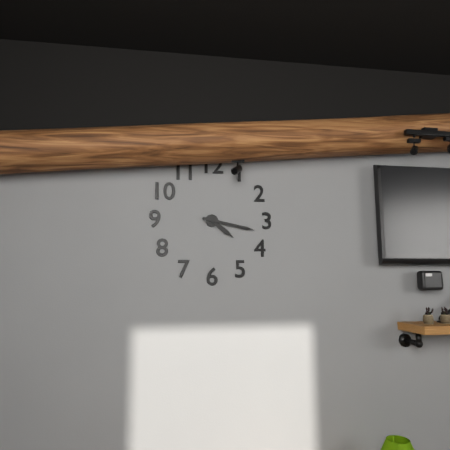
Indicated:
**4:17**
